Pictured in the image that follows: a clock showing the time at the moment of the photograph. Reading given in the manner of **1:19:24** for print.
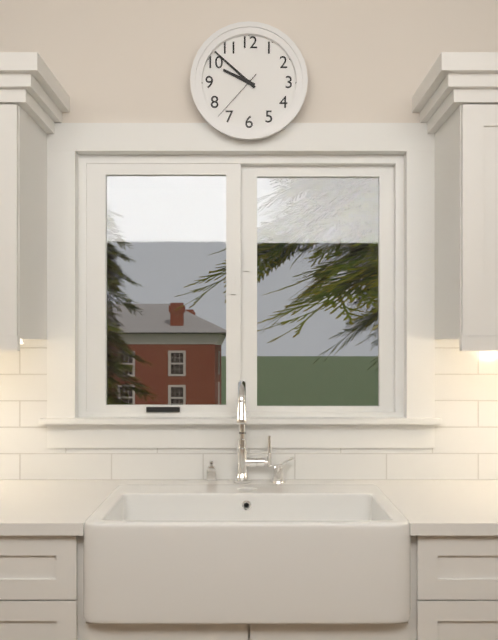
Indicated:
**9:52:37**
